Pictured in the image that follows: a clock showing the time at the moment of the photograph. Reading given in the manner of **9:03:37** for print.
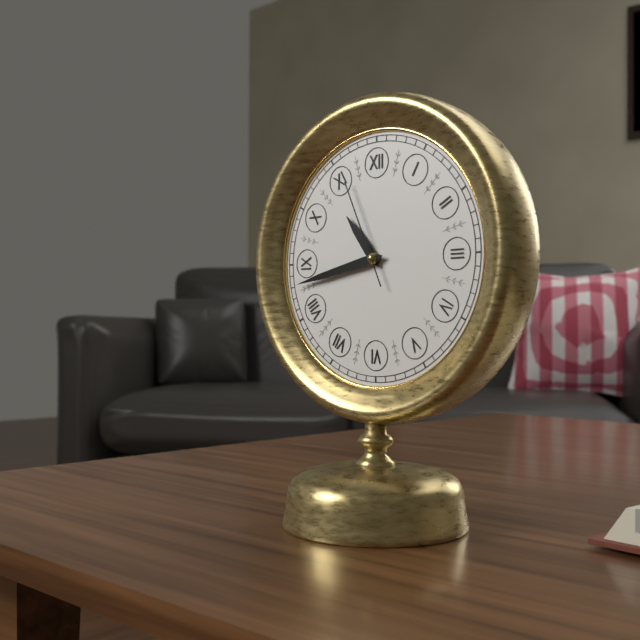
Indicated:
**10:43:56**
